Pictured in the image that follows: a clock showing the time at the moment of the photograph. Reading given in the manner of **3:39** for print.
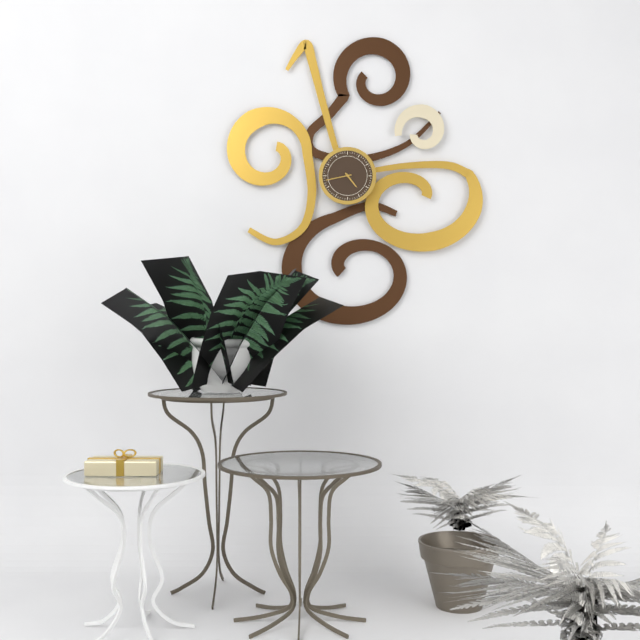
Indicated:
**4:43**
